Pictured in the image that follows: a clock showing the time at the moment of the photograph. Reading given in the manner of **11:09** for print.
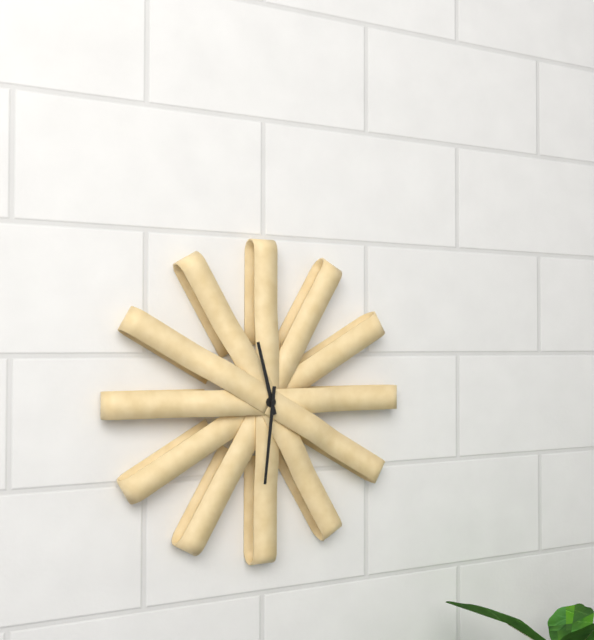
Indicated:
**11:31**
